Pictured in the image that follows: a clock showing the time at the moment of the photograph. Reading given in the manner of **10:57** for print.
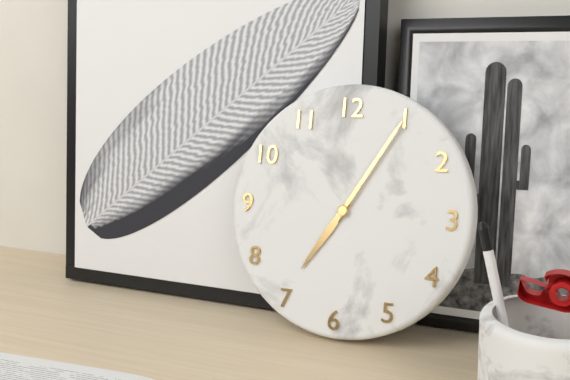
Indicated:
**7:05**
